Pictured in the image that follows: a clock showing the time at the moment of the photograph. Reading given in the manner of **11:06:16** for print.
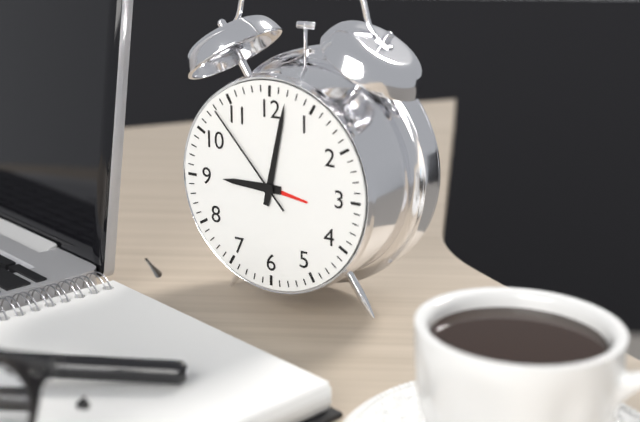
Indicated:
**9:02:53**
